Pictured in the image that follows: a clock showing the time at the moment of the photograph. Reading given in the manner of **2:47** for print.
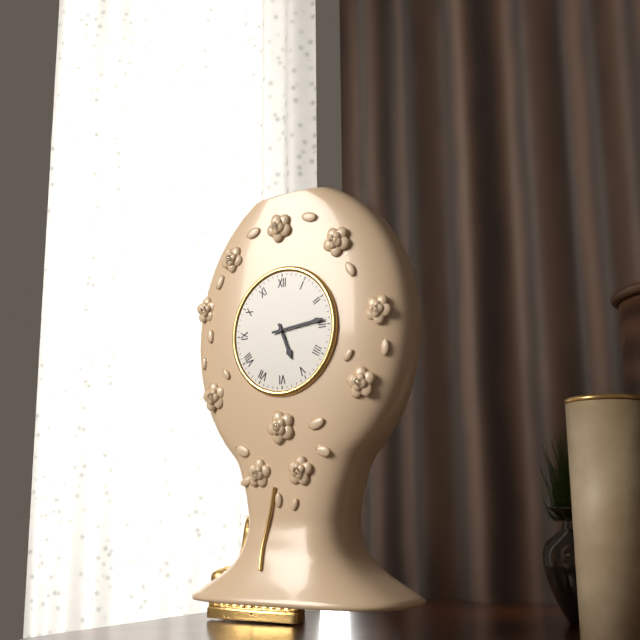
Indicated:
**5:14**
